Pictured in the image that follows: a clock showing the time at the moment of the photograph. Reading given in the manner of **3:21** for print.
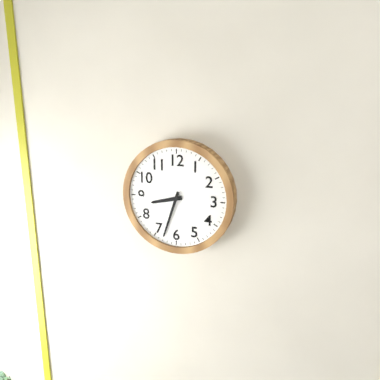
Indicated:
**8:33**
